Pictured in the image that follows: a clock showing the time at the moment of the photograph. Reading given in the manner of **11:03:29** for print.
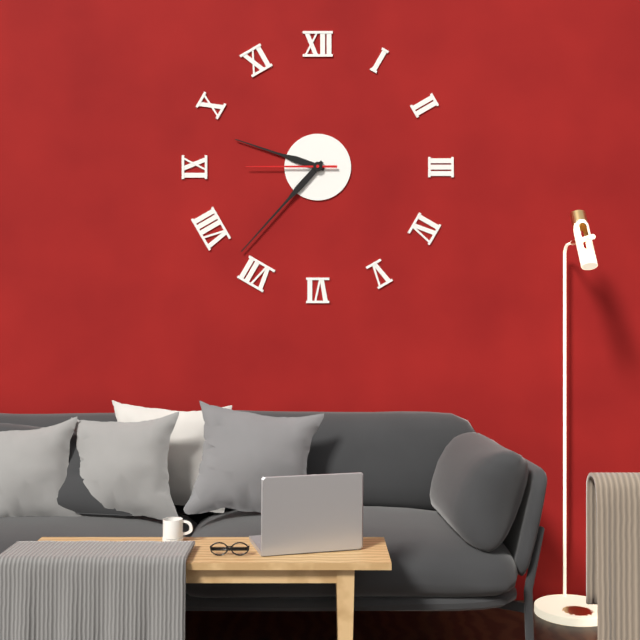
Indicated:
**9:37:45**
